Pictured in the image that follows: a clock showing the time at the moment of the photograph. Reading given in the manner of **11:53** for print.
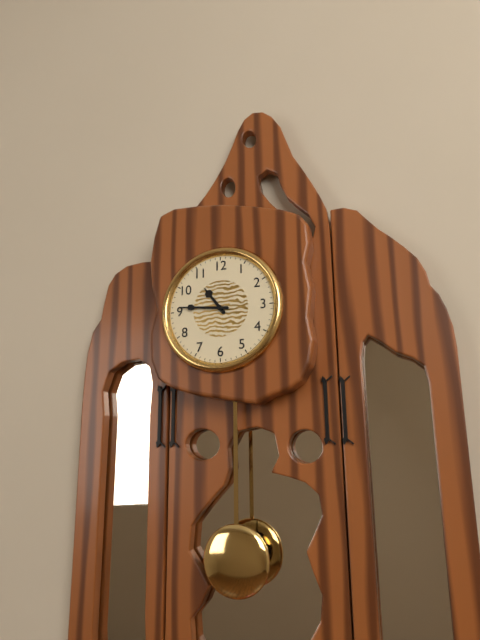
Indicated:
**10:46**
